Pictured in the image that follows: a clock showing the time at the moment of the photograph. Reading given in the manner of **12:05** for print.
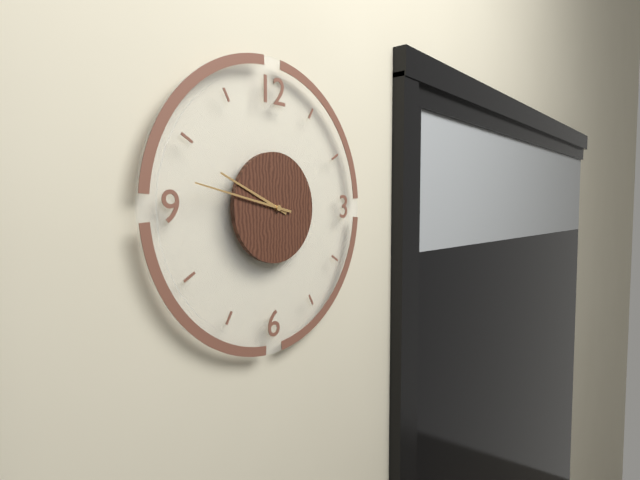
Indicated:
**9:47**
